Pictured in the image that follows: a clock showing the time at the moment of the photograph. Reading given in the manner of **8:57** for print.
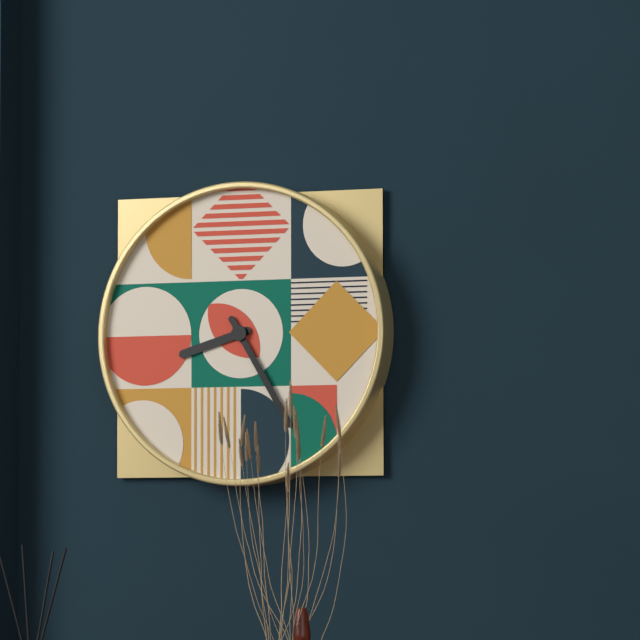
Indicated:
**8:25**
